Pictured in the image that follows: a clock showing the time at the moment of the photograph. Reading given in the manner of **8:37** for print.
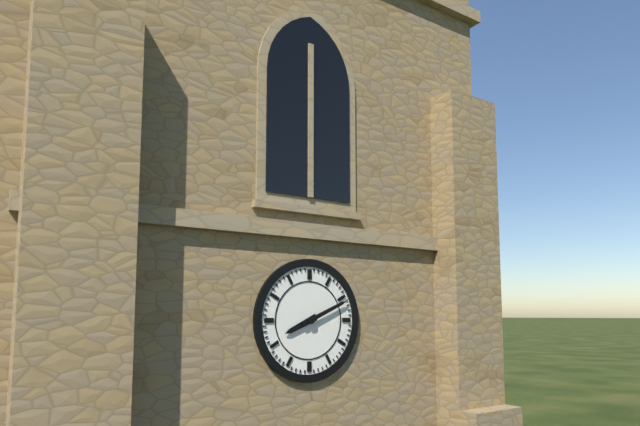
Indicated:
**8:11**
